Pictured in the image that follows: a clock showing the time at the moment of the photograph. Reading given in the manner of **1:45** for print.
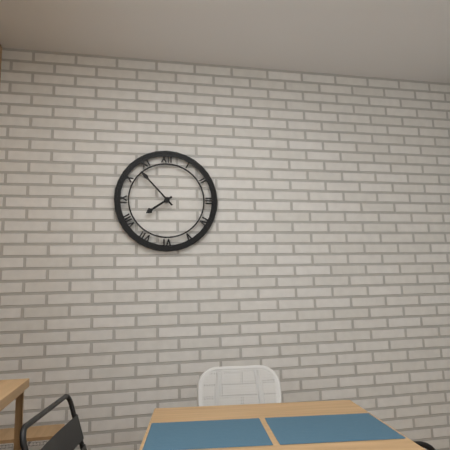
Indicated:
**7:53**
